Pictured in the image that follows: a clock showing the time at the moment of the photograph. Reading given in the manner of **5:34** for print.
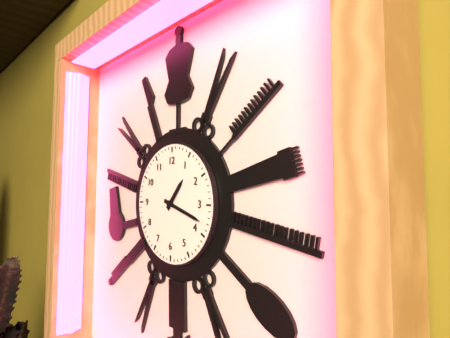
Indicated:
**1:18**
